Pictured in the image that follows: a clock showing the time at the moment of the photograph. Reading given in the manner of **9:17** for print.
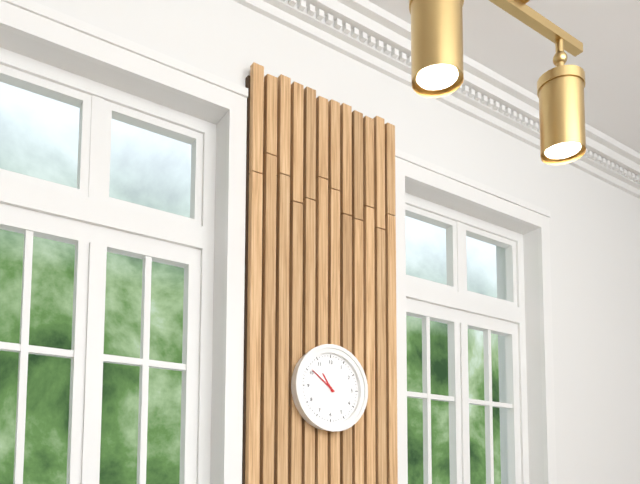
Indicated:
**10:51**
